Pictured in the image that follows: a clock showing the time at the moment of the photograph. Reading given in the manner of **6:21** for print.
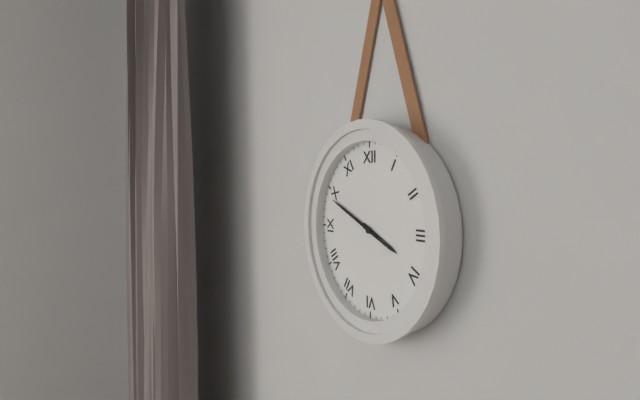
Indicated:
**3:49**
